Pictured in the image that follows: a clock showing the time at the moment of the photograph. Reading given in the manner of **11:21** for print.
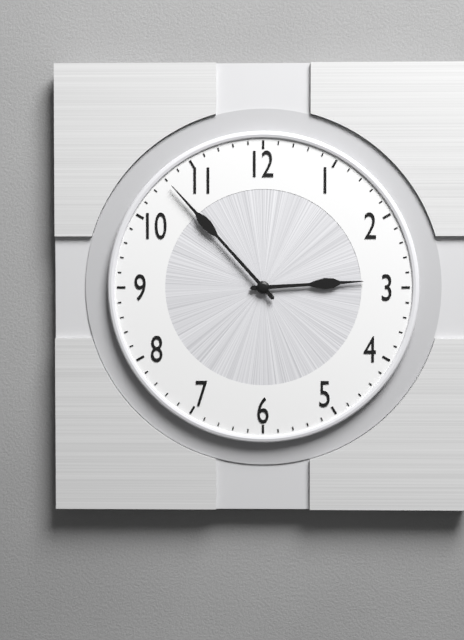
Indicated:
**2:53**
